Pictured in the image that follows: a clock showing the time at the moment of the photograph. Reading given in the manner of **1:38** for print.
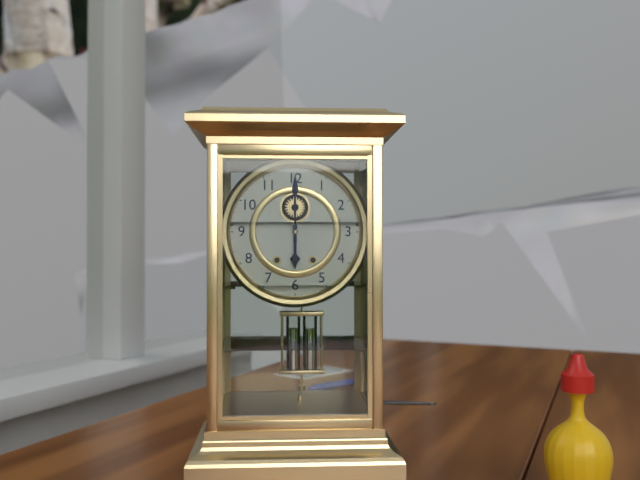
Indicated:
**6:00**
